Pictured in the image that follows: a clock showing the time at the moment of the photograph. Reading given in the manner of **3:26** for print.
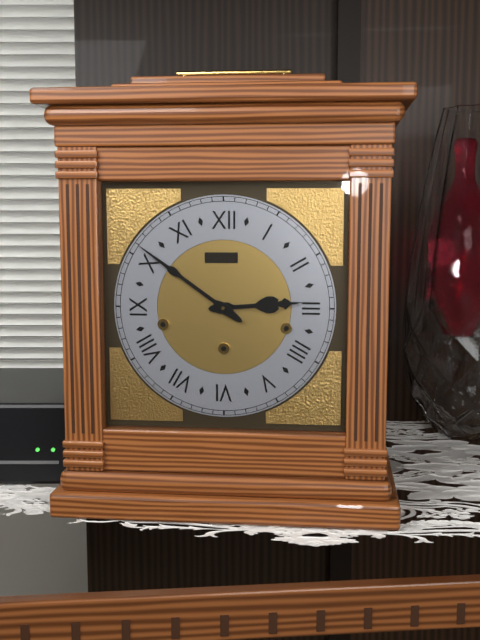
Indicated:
**2:51**
